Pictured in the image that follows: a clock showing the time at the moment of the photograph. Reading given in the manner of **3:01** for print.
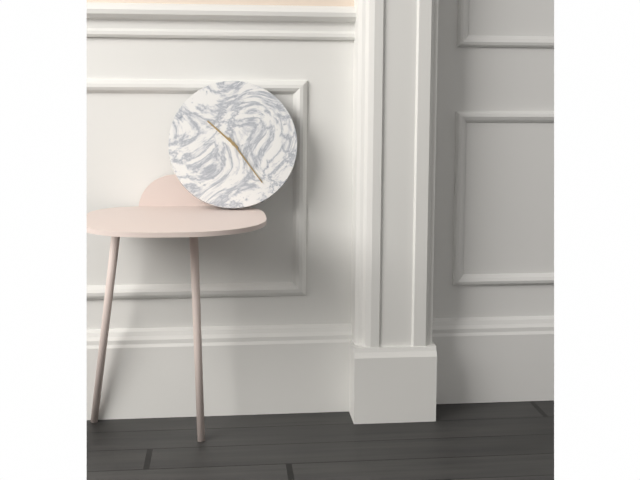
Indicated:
**10:24**
